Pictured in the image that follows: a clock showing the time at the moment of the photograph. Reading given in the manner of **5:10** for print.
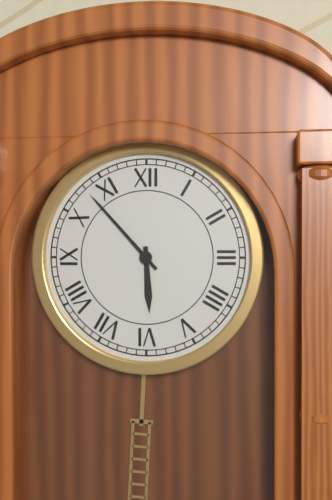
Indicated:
**5:53**
